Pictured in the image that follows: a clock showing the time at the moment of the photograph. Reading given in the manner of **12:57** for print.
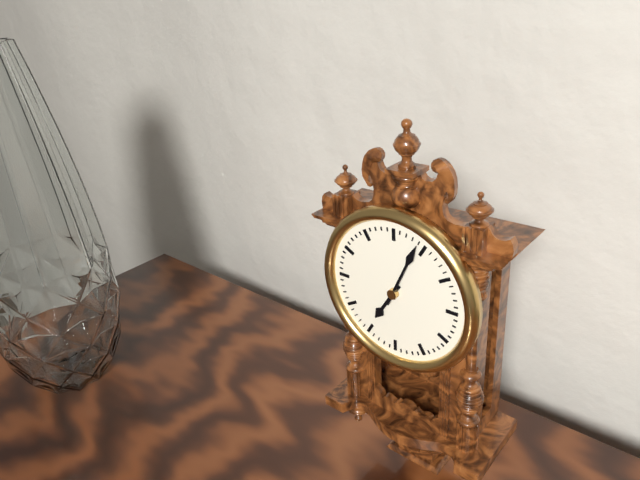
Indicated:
**7:04**
